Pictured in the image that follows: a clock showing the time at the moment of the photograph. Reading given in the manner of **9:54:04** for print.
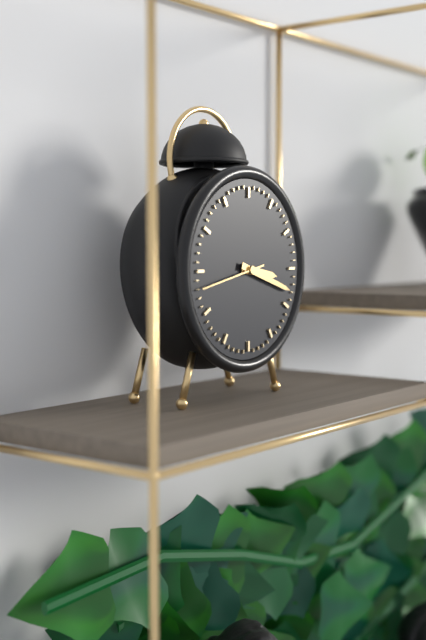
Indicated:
**3:18:43**
